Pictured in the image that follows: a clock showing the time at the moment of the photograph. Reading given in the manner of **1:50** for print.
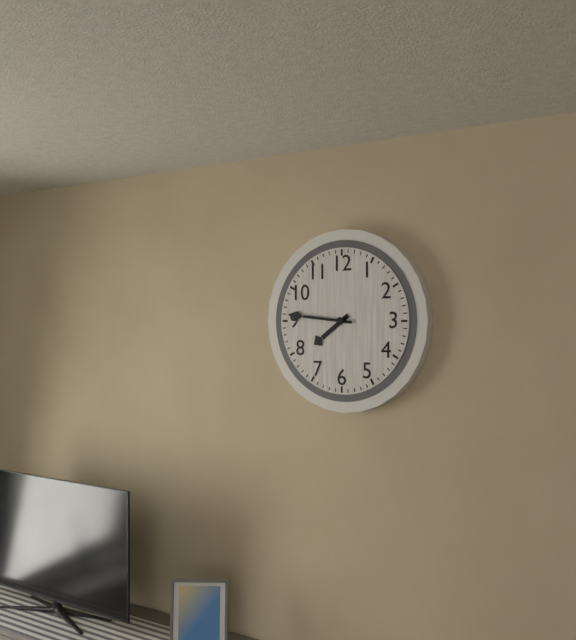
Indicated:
**7:46**
